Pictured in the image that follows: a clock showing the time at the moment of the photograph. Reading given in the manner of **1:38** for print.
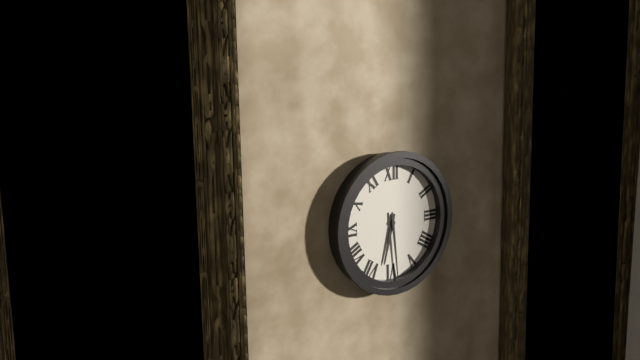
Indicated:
**6:29**
